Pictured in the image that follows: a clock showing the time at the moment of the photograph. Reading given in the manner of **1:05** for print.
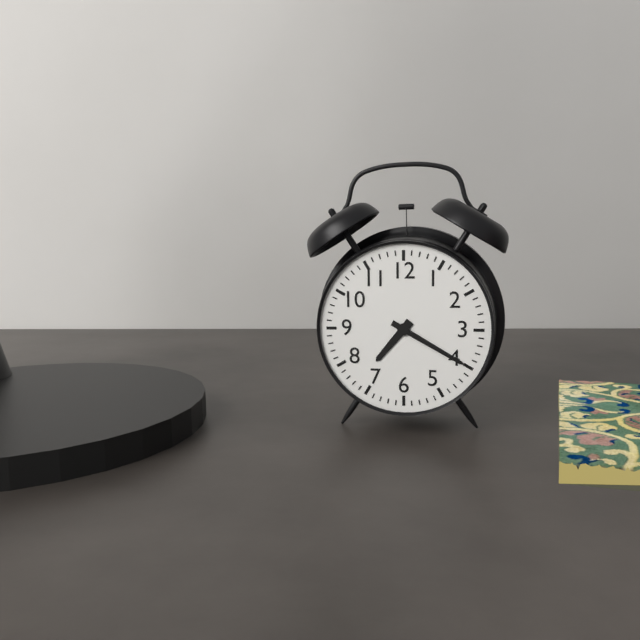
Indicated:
**7:20**
